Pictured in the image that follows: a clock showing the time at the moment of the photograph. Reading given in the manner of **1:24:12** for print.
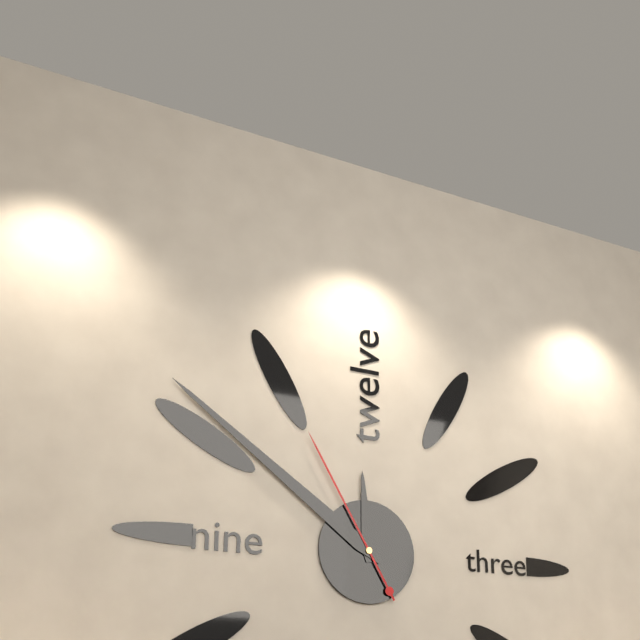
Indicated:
**11:51:55**
